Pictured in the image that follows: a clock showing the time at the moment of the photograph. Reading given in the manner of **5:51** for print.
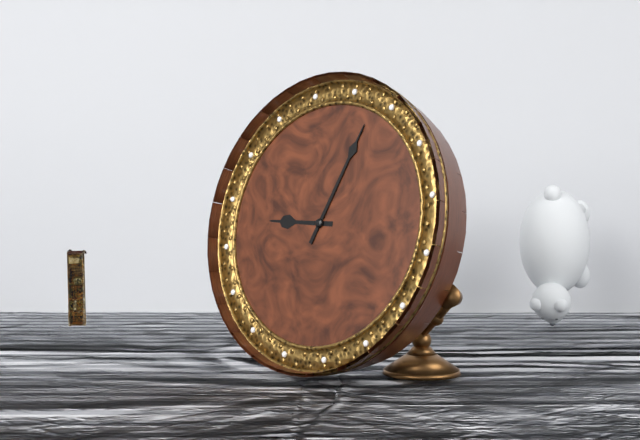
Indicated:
**9:04**
